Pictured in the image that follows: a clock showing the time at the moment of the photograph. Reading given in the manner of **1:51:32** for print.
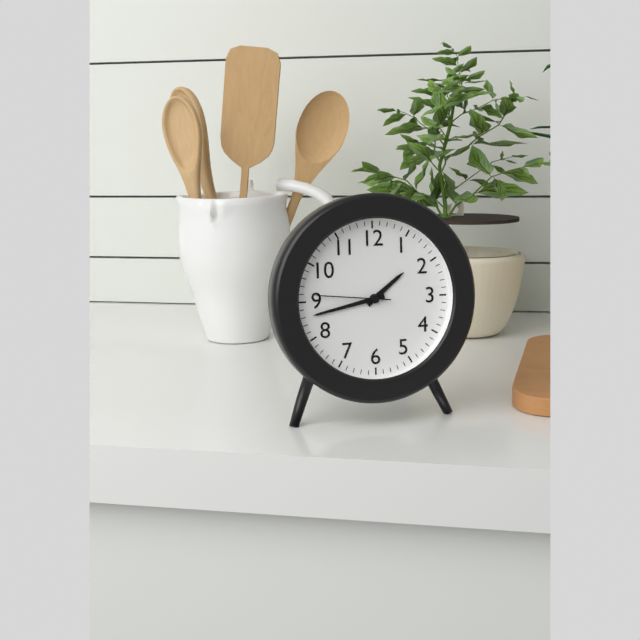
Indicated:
**1:43:46**
